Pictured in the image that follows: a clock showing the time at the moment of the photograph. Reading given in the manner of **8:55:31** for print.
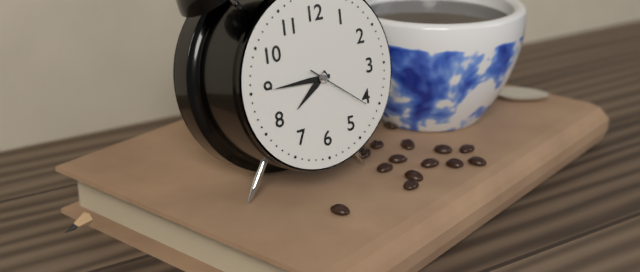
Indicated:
**7:45:21**
